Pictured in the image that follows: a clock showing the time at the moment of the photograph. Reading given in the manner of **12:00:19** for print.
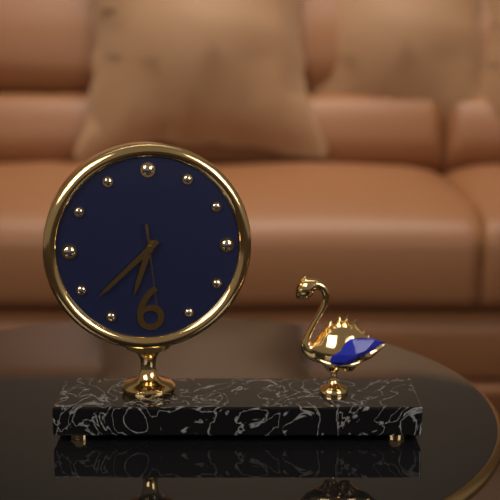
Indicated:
**6:38:29**
